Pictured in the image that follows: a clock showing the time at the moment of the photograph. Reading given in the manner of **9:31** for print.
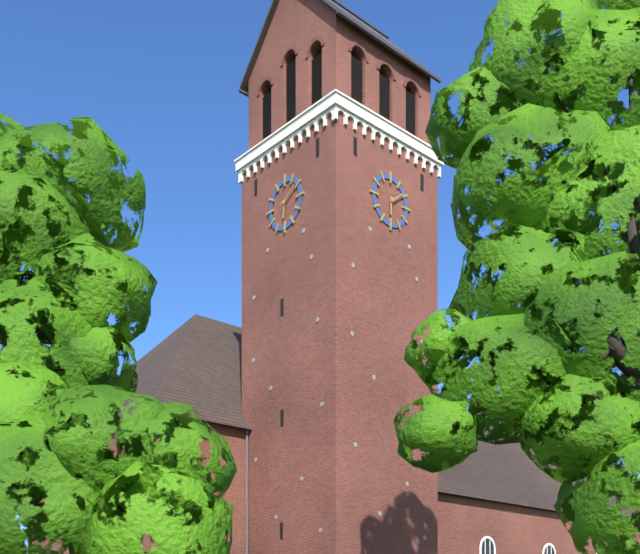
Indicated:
**6:09**
